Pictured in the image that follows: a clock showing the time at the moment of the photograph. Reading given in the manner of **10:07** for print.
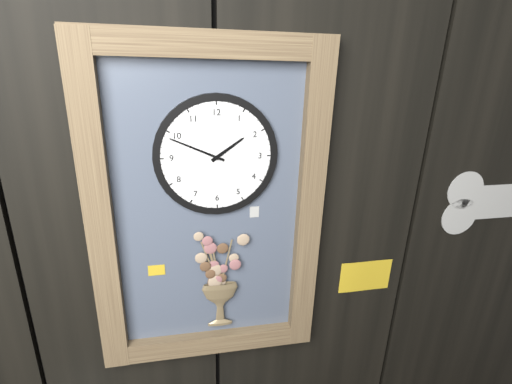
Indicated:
**1:49**
